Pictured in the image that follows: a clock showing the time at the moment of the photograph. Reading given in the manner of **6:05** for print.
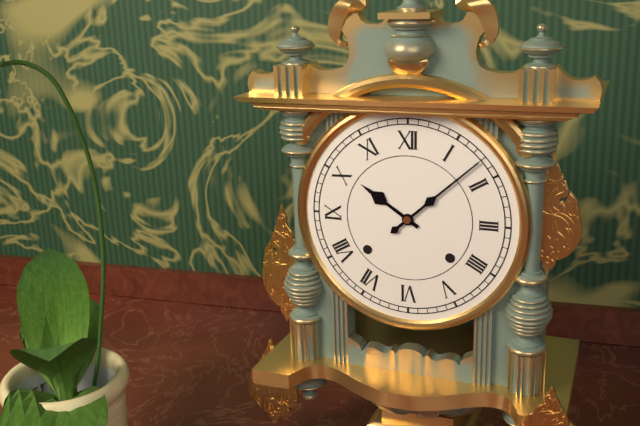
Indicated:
**10:08**
